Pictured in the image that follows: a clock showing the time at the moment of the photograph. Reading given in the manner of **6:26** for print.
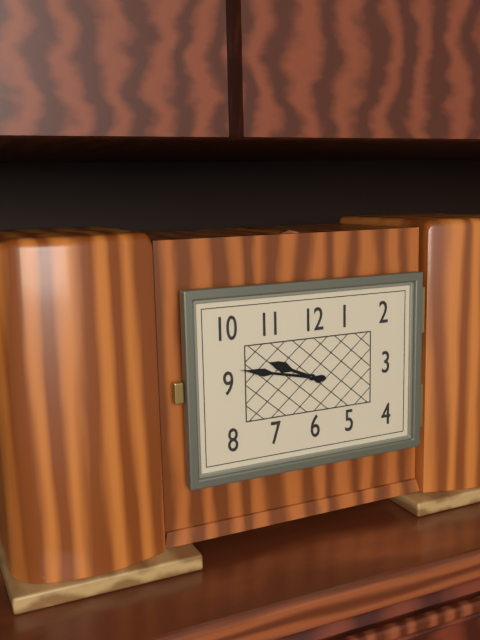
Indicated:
**9:47**
